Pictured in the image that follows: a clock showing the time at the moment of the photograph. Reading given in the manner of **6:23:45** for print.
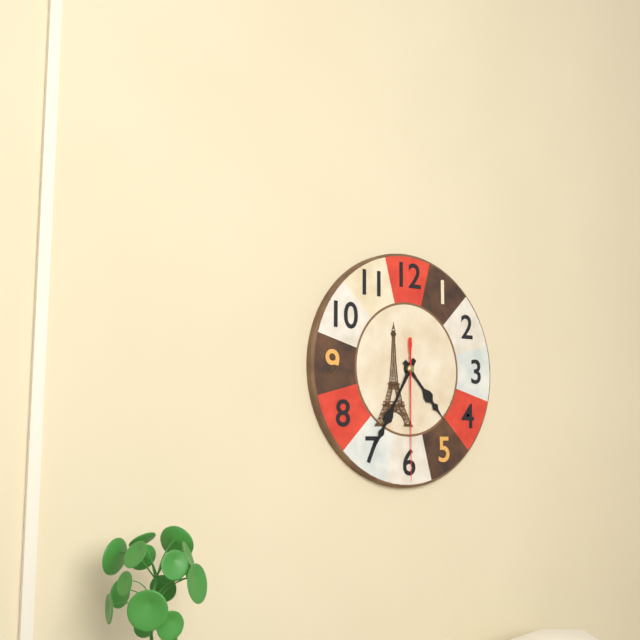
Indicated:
**4:35:30**
